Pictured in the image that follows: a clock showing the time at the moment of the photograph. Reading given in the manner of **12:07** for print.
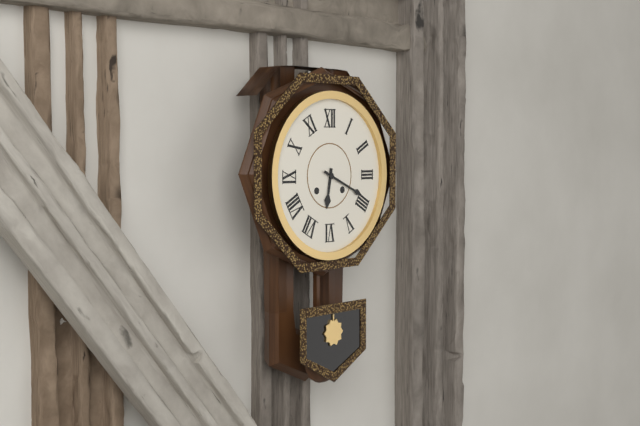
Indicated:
**6:19**
